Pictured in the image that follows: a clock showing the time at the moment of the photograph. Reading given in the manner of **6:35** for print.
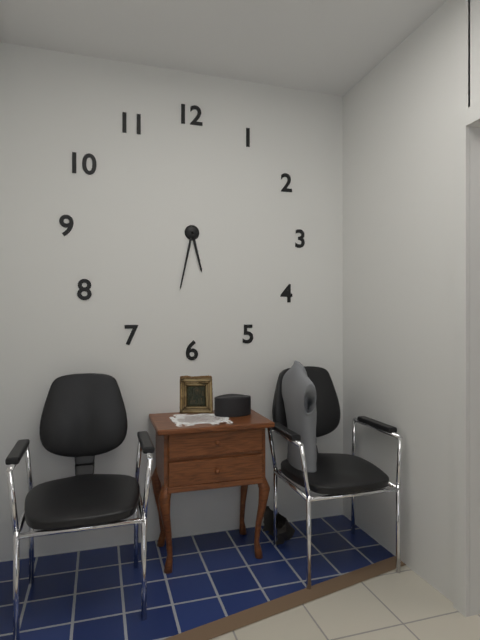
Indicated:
**5:32**
